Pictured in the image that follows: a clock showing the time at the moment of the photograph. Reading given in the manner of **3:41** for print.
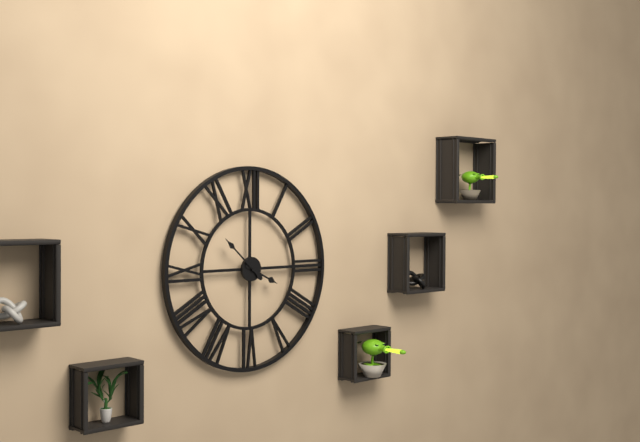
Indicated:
**3:52**
